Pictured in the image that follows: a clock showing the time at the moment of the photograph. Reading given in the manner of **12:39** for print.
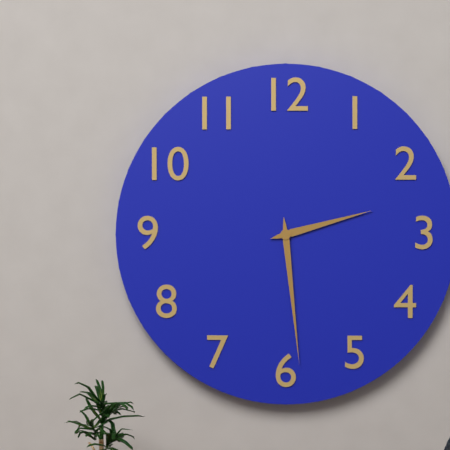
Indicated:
**2:29**
